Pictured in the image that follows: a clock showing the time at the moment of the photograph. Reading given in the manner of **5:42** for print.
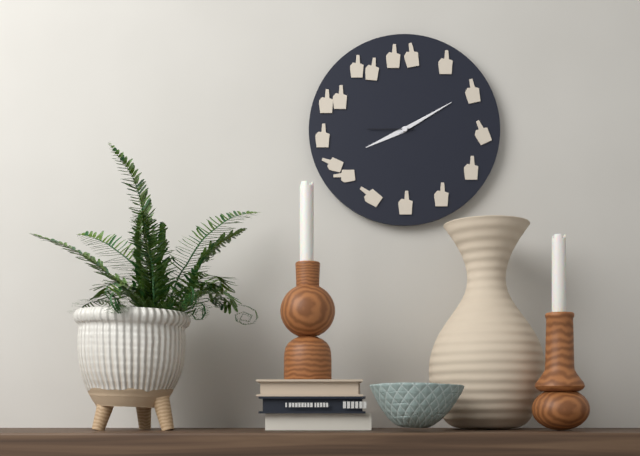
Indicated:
**8:10**
